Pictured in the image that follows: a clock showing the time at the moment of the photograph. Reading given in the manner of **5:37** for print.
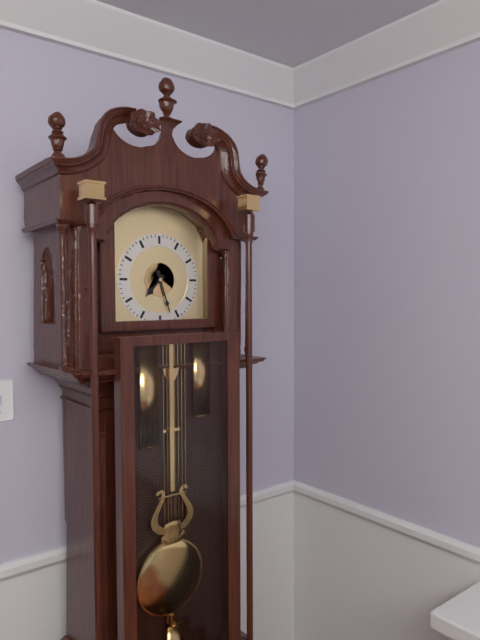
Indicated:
**7:27**
